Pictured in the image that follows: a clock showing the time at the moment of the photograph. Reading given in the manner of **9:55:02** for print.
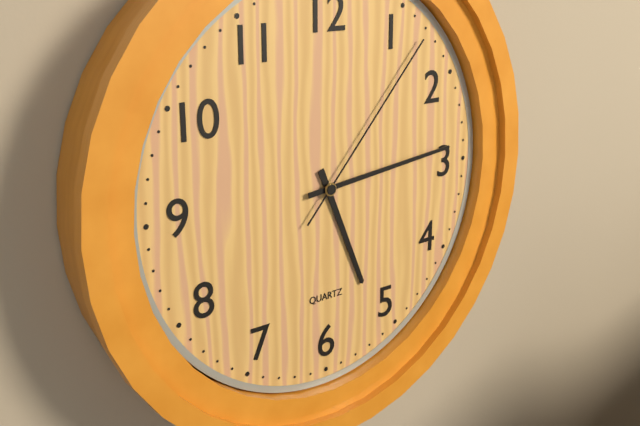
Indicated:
**5:14:07**
